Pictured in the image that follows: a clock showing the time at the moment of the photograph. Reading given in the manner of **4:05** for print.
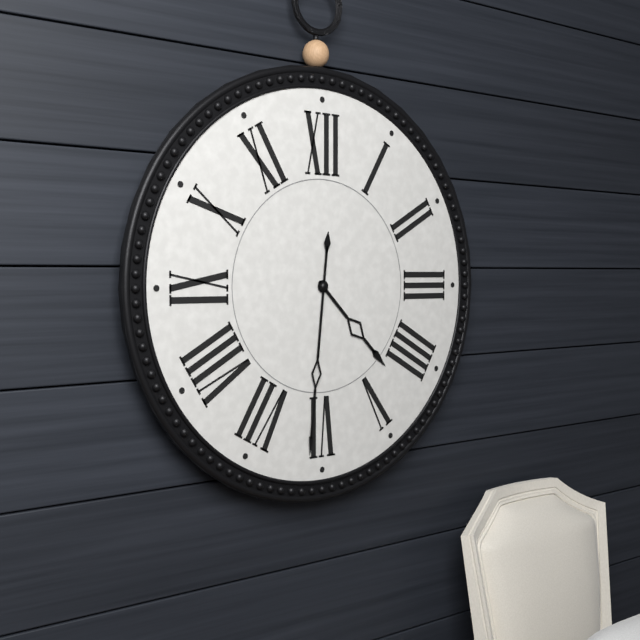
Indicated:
**4:31**
